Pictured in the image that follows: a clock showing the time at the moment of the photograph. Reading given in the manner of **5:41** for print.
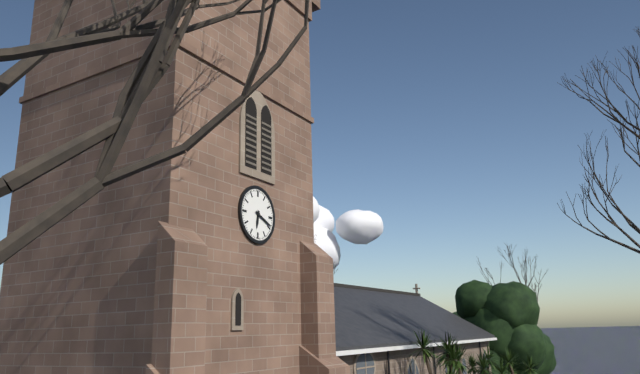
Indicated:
**6:19**
